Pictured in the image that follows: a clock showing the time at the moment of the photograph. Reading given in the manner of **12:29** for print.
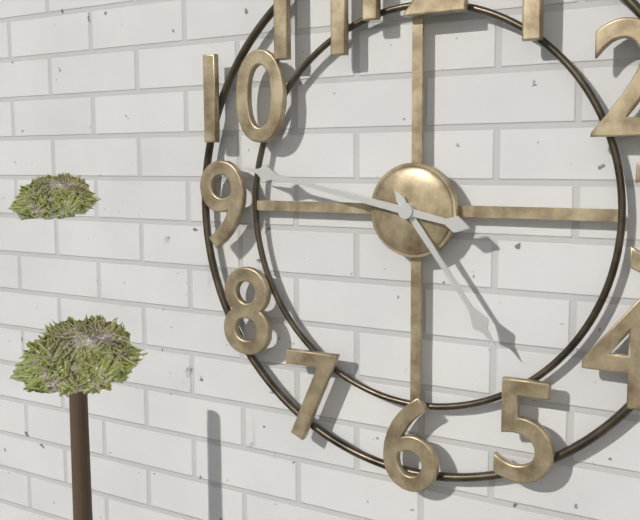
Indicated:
**4:47**
